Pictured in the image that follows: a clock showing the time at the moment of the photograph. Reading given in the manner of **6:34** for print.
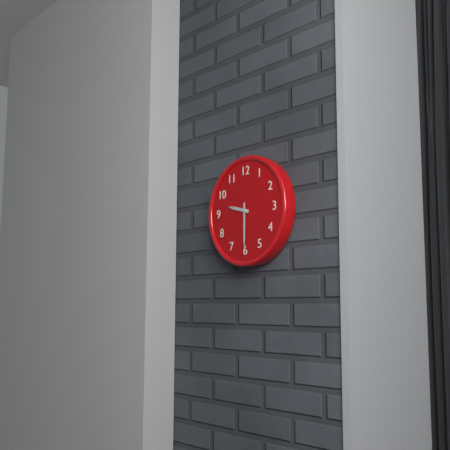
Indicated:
**9:30**
